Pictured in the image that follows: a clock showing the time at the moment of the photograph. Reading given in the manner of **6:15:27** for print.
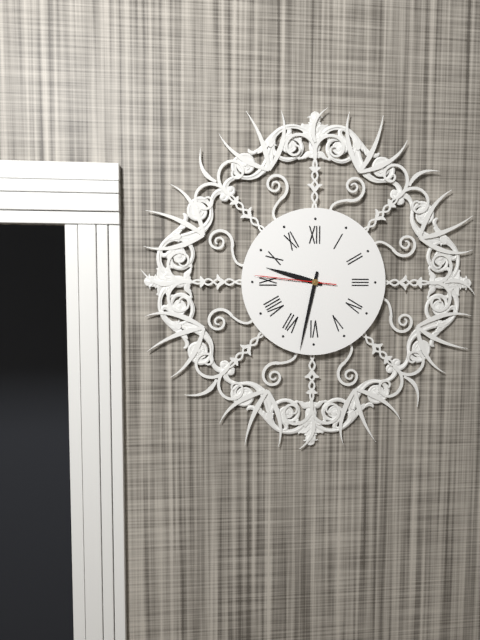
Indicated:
**9:32:46**
